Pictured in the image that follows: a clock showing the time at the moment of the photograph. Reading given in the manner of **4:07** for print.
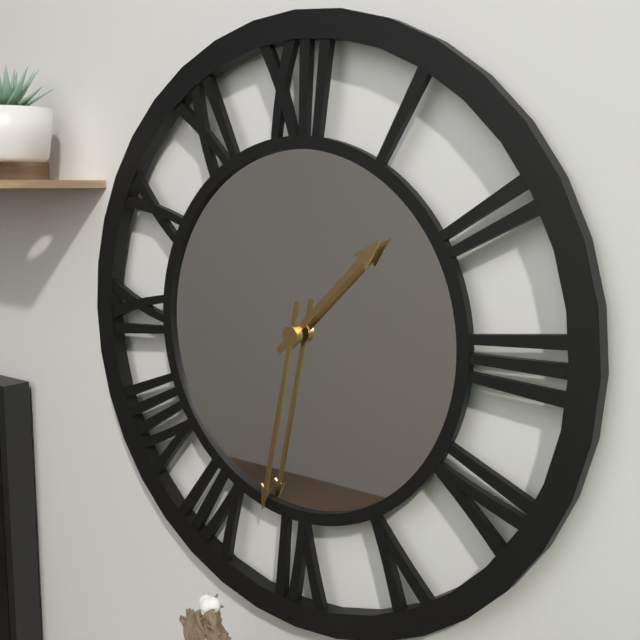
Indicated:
**1:32**
